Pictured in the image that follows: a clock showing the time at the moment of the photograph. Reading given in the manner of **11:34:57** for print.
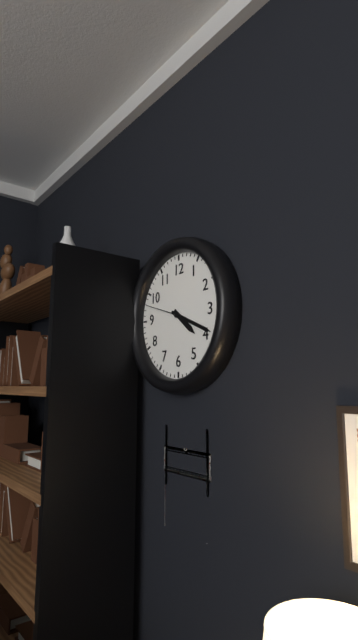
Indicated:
**4:19:48**
